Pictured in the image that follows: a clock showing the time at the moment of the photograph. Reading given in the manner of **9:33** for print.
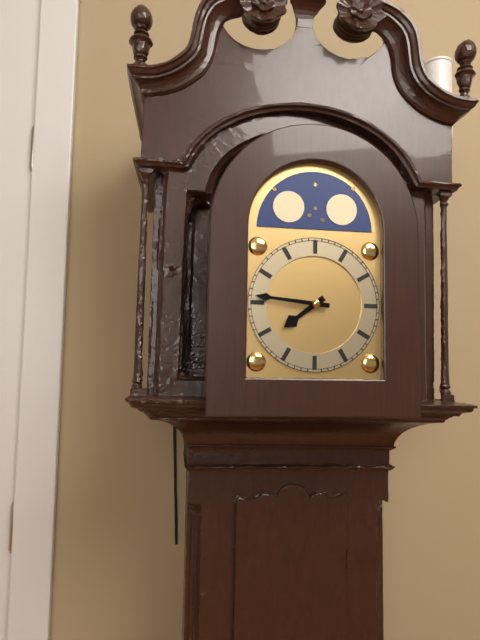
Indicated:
**7:46**
